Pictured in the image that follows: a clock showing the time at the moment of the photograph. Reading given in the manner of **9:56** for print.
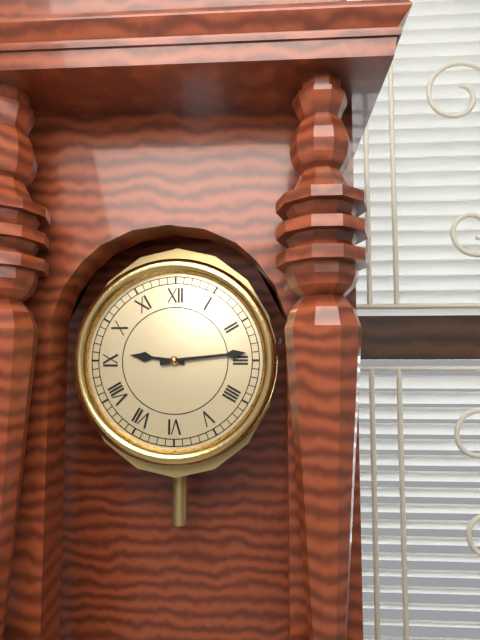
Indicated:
**9:14**
